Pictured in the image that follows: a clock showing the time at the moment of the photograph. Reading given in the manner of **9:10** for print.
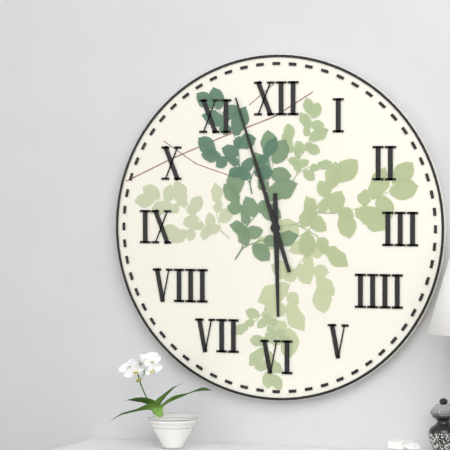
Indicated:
**5:57**
